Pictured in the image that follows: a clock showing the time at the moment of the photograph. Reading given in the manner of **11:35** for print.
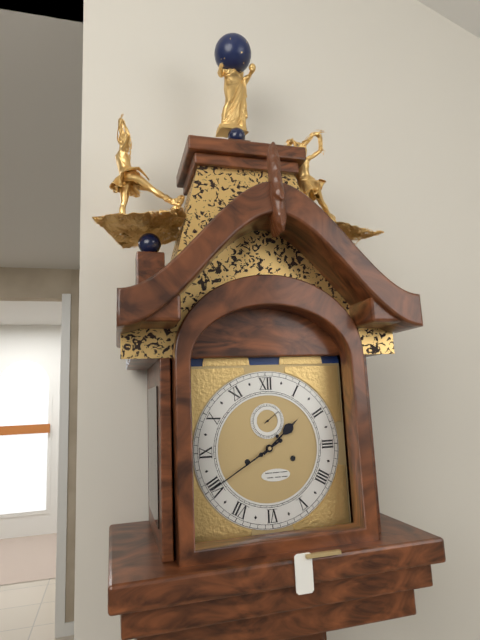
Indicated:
**1:40**
